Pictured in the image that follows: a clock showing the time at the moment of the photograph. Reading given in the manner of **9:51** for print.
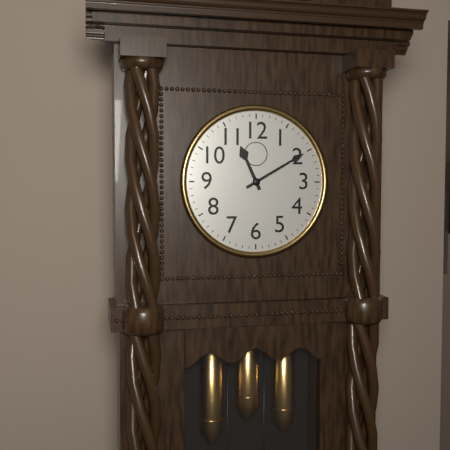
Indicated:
**11:10**
